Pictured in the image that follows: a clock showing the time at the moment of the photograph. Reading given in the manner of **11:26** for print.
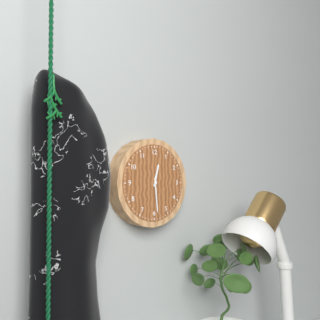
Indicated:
**12:29**
